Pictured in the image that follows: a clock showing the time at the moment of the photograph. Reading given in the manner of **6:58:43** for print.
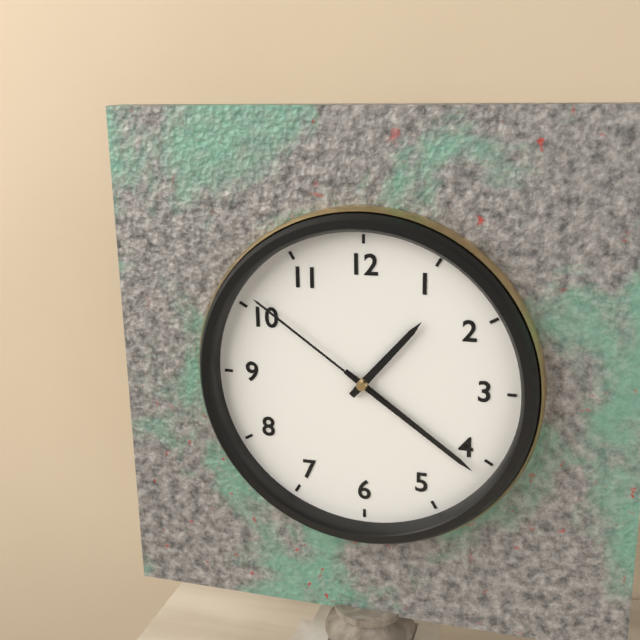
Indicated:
**1:21:51**
